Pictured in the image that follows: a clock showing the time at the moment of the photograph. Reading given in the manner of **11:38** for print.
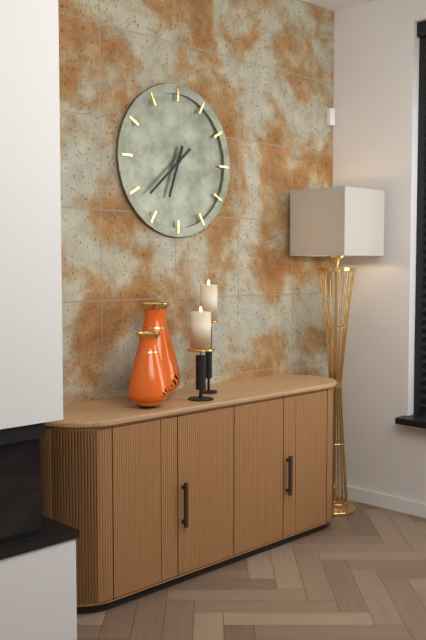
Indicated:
**6:38**
